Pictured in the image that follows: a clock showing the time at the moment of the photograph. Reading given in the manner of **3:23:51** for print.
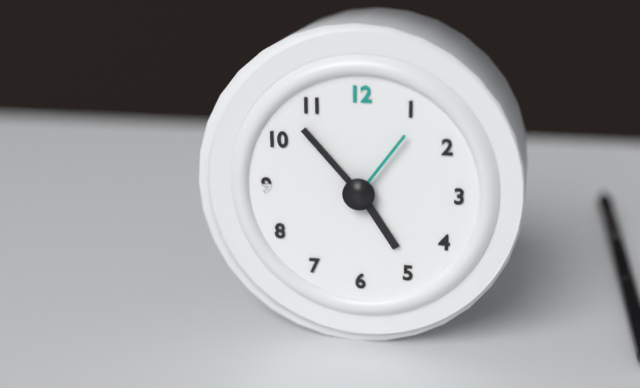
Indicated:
**4:53:06**
